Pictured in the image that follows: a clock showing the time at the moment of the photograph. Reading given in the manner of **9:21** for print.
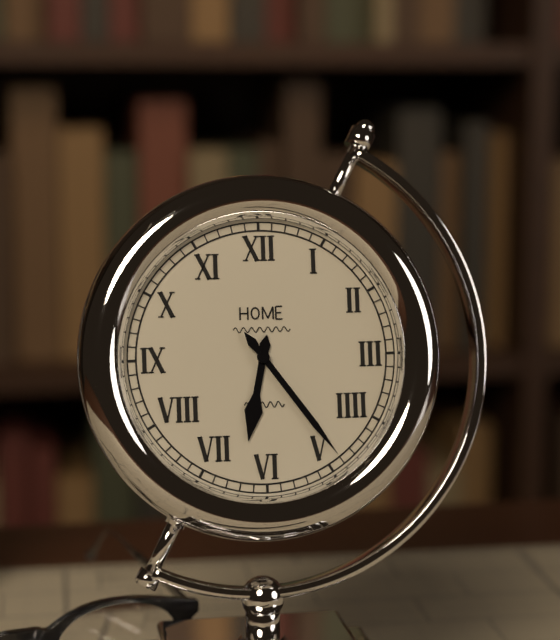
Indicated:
**6:24**
